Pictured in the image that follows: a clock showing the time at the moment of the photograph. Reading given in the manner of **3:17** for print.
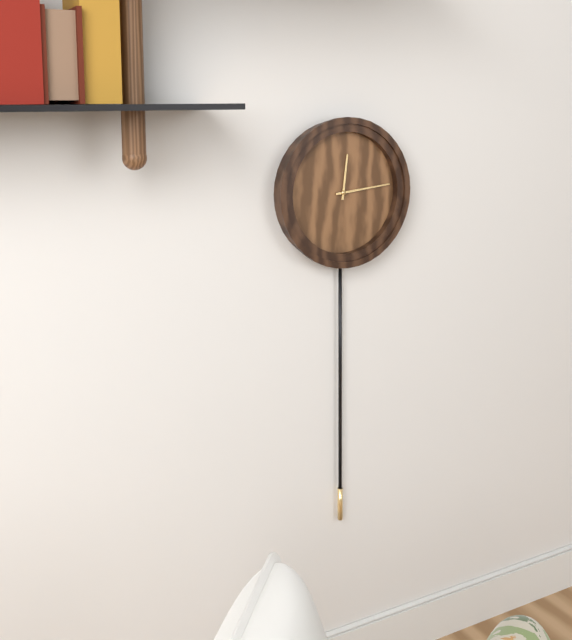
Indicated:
**12:14**
